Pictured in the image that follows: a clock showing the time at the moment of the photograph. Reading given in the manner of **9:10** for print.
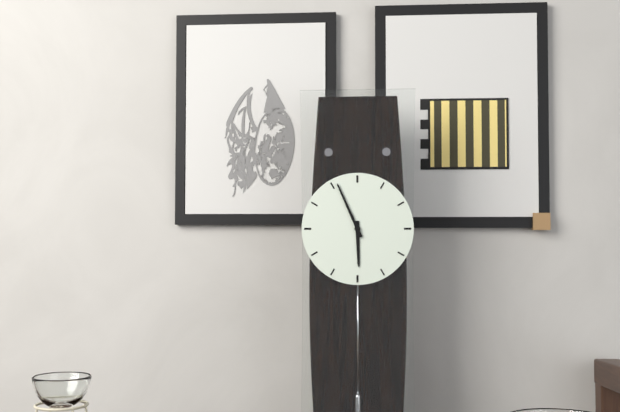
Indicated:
**5:56**
